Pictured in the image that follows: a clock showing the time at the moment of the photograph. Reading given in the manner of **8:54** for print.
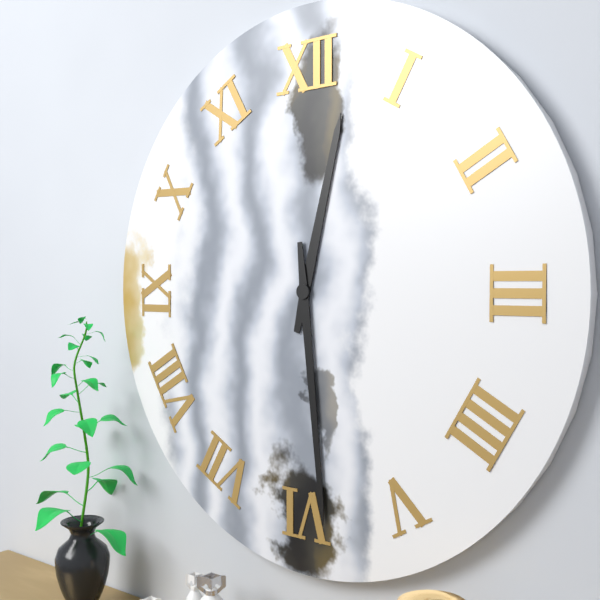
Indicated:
**12:29**
